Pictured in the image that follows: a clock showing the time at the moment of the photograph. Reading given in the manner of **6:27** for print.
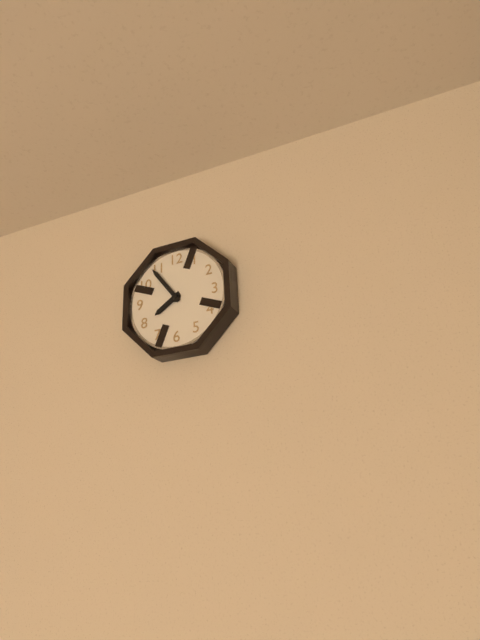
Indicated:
**7:54**
